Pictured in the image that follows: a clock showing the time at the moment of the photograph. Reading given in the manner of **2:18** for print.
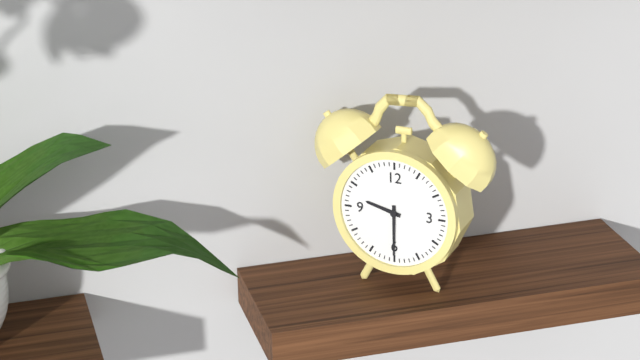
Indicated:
**9:30**
